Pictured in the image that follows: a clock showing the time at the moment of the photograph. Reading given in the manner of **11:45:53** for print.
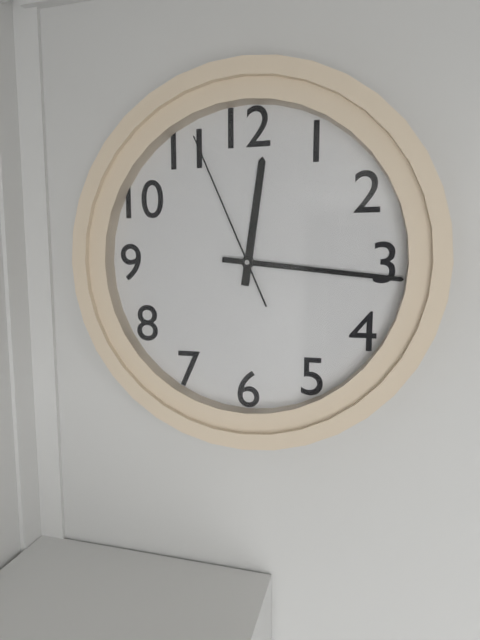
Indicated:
**12:16:56**
